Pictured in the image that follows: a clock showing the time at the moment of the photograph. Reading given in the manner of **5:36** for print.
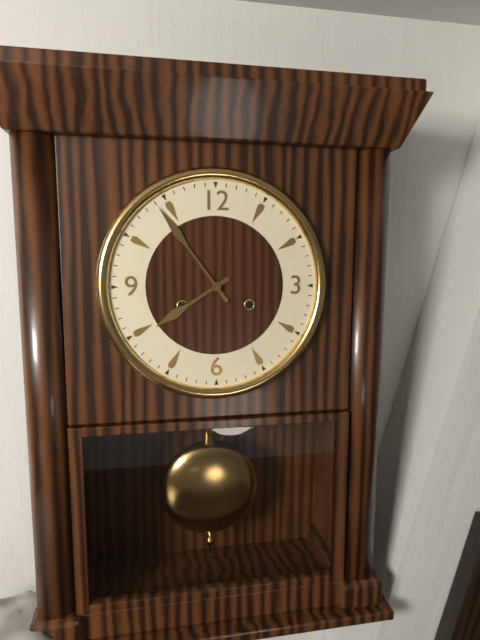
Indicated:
**7:54**
